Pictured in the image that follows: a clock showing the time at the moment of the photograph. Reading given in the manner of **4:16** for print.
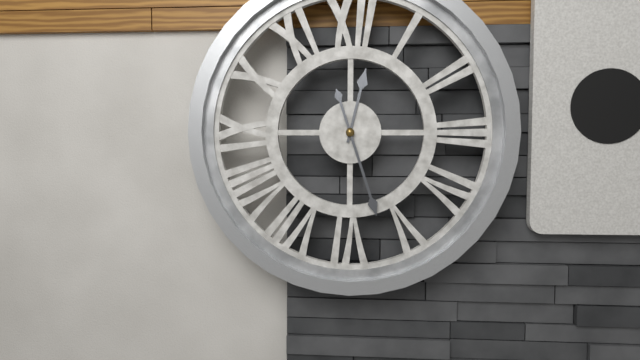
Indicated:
**12:27**
